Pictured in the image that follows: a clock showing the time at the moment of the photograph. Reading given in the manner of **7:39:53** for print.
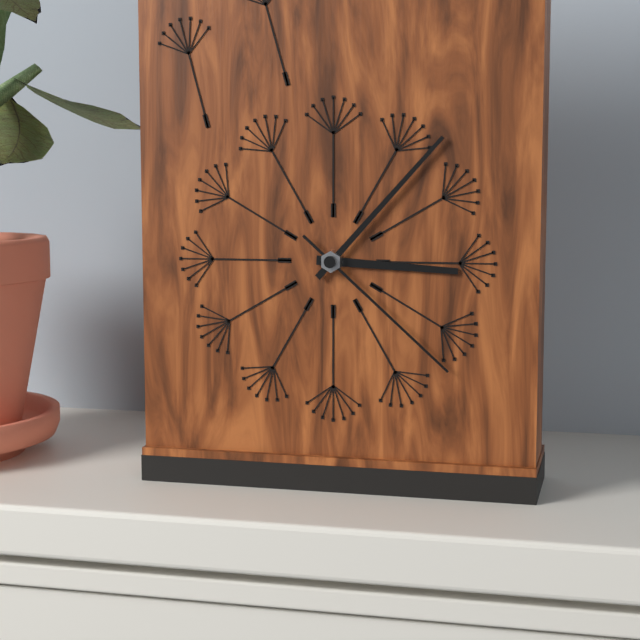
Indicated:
**3:07:22**
